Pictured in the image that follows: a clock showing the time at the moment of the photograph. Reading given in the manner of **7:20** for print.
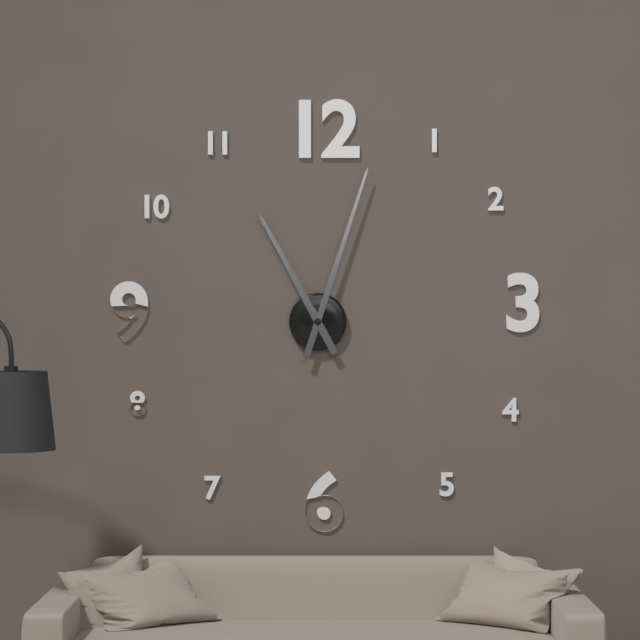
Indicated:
**11:03**
